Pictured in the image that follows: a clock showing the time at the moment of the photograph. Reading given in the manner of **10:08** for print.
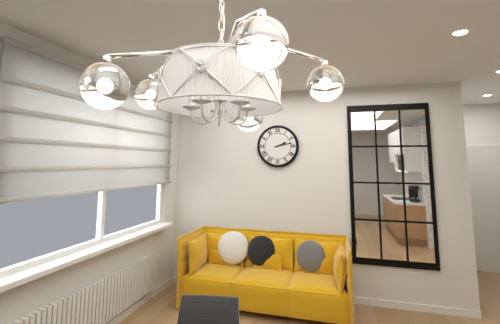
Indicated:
**2:13**
